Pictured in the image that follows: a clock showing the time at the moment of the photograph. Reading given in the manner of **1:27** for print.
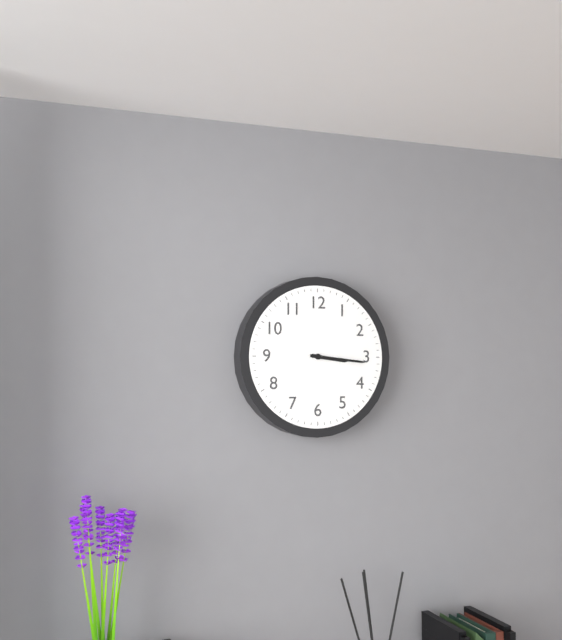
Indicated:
**3:16**
